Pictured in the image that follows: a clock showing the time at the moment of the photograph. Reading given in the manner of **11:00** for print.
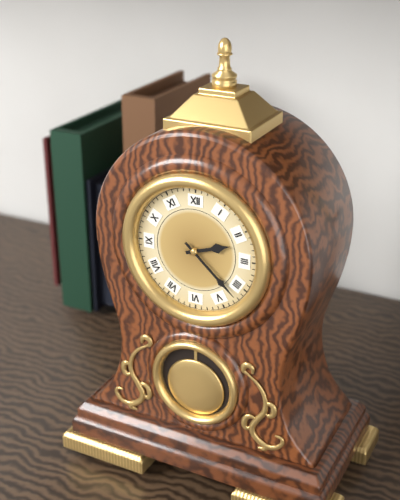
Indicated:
**2:22**
